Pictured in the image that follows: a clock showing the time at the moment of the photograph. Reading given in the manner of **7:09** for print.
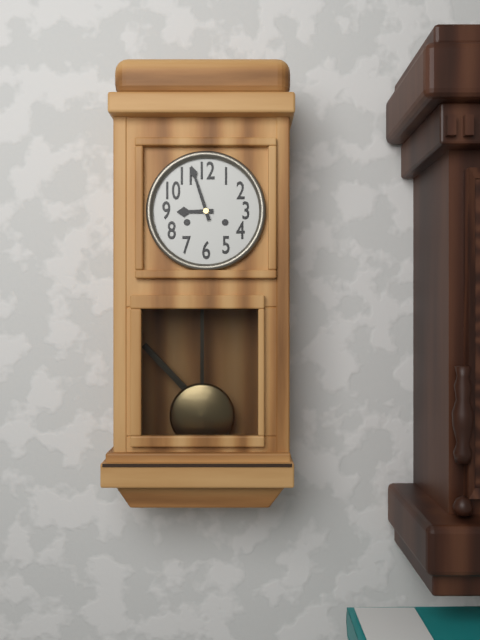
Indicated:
**8:57**
